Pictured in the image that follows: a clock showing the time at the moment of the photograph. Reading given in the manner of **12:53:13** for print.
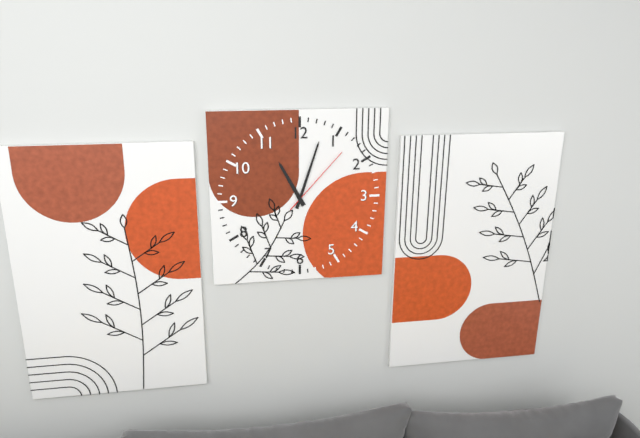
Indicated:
**11:03:07**
